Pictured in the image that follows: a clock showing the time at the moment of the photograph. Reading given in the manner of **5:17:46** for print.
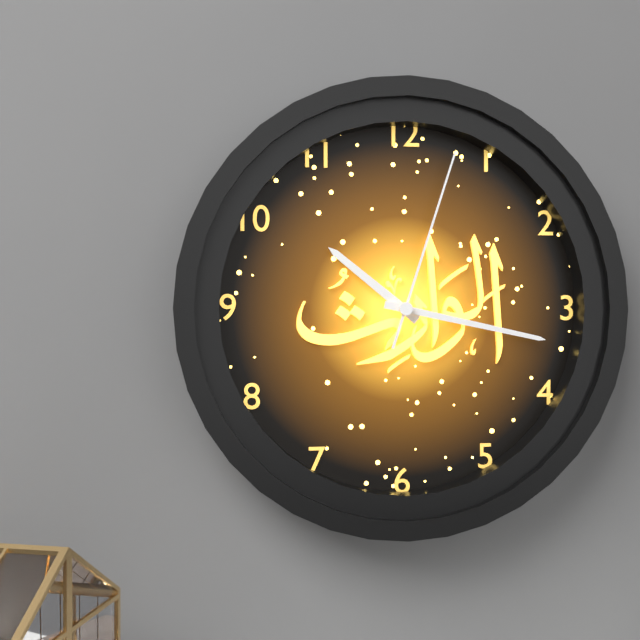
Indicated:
**10:17:03**
